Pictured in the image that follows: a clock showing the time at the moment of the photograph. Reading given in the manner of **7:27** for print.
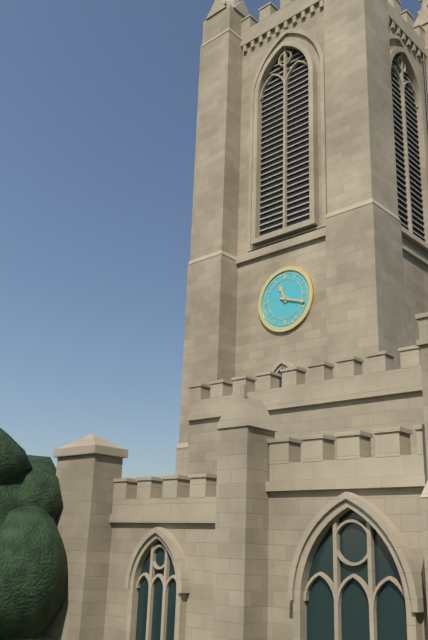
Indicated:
**11:18**
